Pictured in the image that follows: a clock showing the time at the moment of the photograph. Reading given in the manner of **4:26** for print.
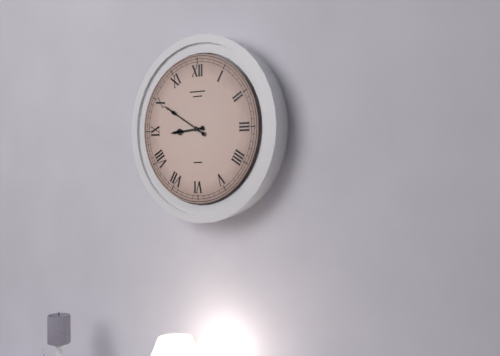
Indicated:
**8:50**
